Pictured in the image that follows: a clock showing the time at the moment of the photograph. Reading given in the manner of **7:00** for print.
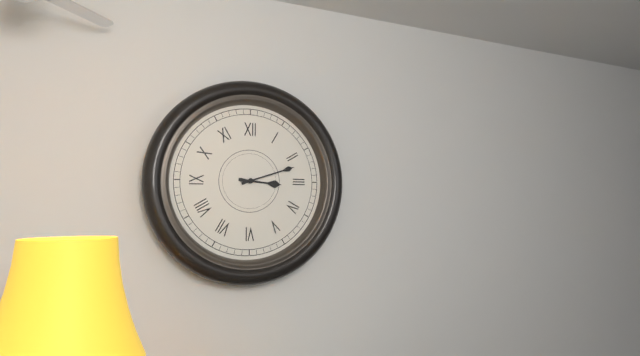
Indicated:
**3:12**
